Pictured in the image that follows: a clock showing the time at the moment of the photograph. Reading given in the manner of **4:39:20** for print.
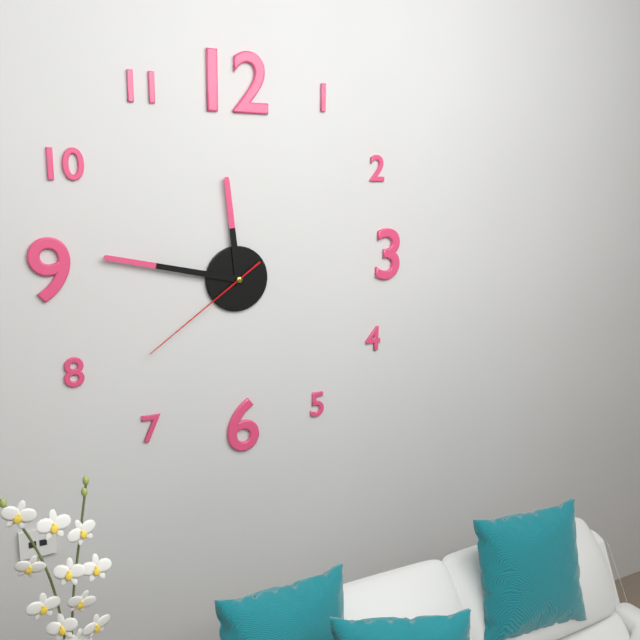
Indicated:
**11:47:39**
